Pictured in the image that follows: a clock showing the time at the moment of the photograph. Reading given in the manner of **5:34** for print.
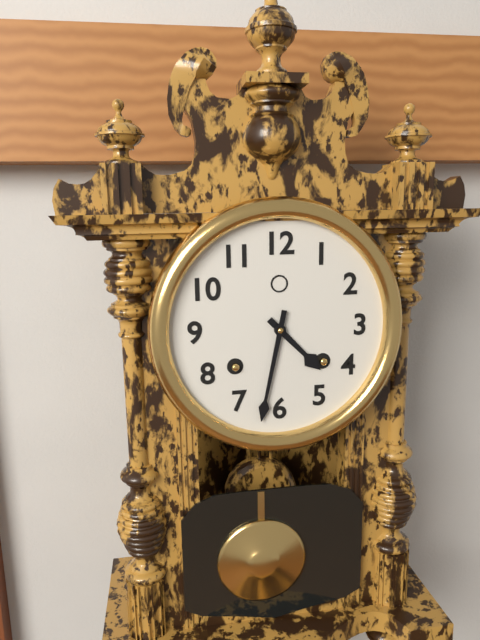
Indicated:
**4:32**
